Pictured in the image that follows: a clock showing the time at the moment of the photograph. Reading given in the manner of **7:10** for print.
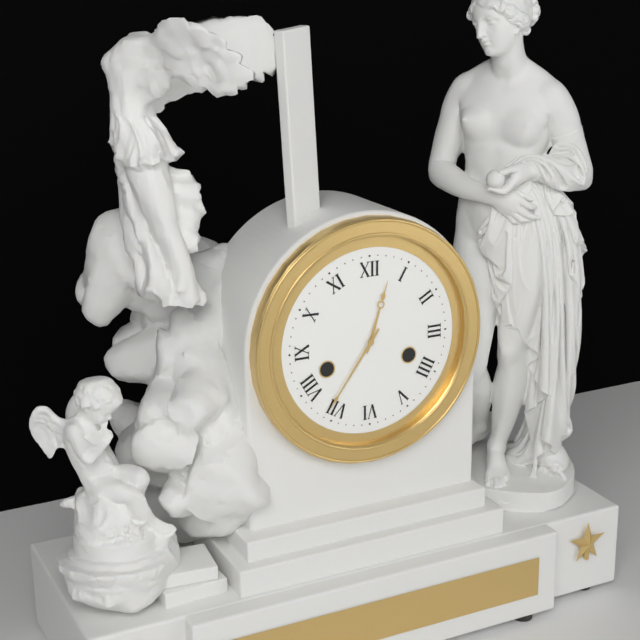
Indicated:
**12:36**
